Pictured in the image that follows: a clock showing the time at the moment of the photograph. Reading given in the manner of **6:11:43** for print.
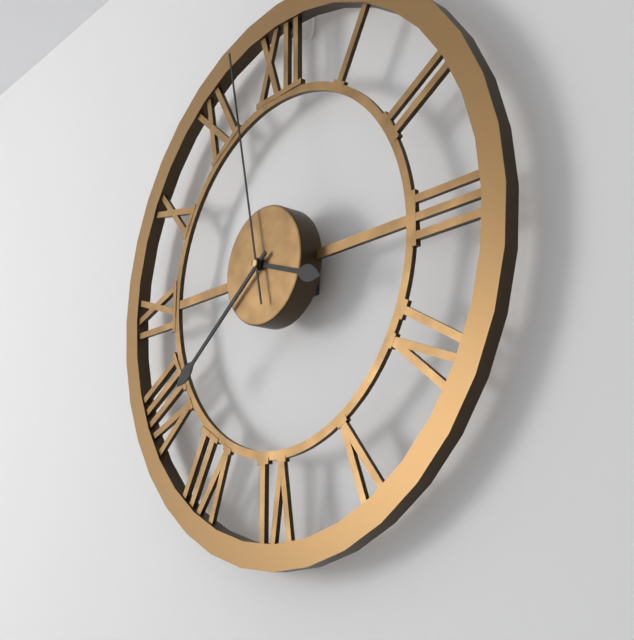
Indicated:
**3:39:58**
